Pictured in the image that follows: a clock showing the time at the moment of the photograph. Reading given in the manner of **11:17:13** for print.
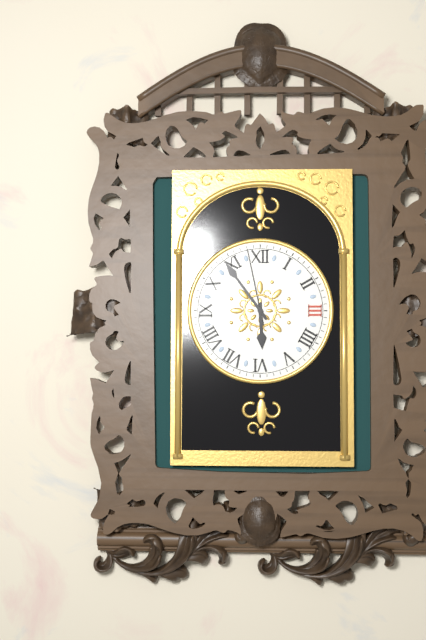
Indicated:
**5:54:58**
